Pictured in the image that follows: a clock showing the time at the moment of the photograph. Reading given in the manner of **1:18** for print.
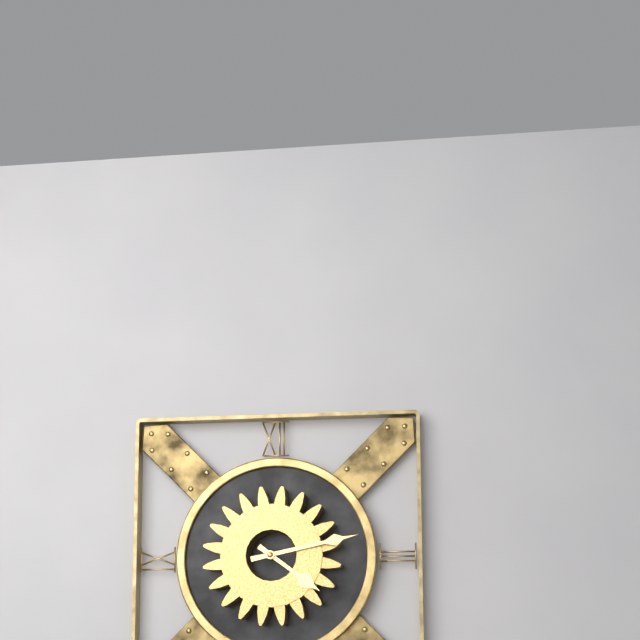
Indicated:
**4:13**
